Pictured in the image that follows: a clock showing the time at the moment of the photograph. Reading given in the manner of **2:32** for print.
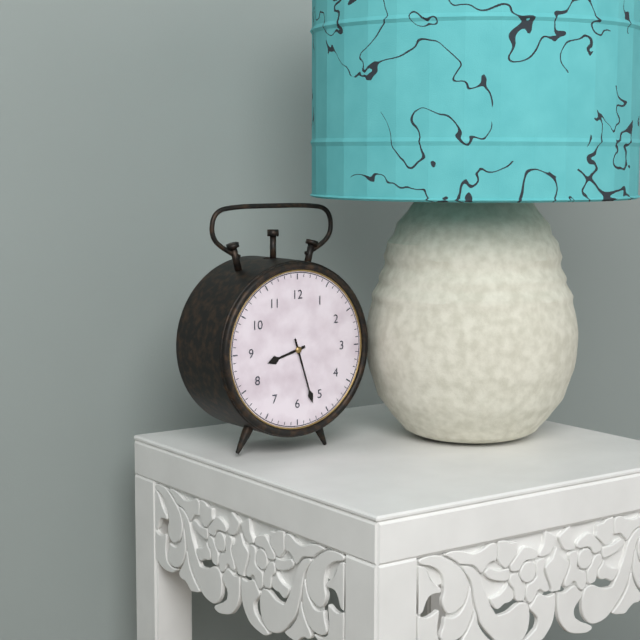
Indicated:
**8:27**
